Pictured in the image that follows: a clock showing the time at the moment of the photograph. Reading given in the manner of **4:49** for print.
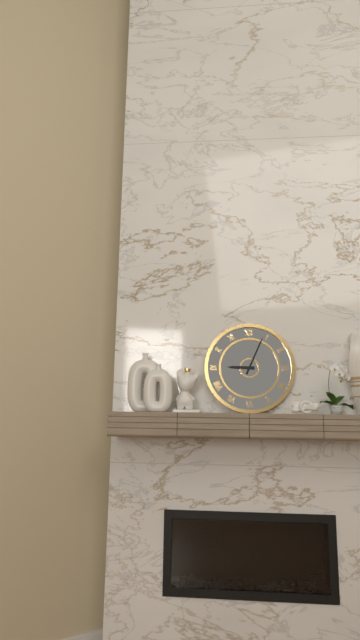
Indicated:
**9:04**
